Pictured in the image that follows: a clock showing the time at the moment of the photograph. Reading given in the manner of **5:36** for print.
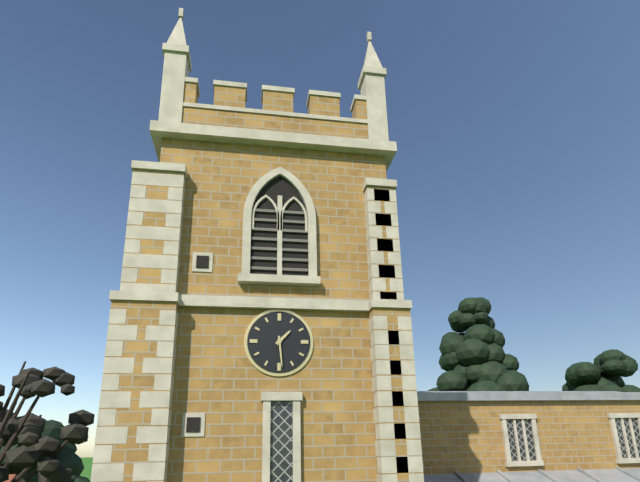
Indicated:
**1:29**
